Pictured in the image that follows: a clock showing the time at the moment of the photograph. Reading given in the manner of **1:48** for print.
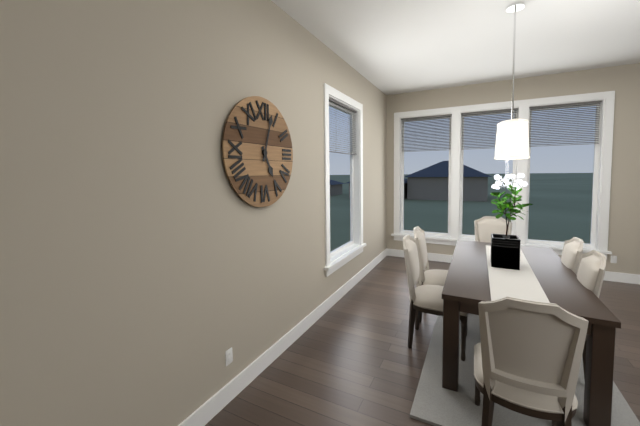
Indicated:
**5:03**
